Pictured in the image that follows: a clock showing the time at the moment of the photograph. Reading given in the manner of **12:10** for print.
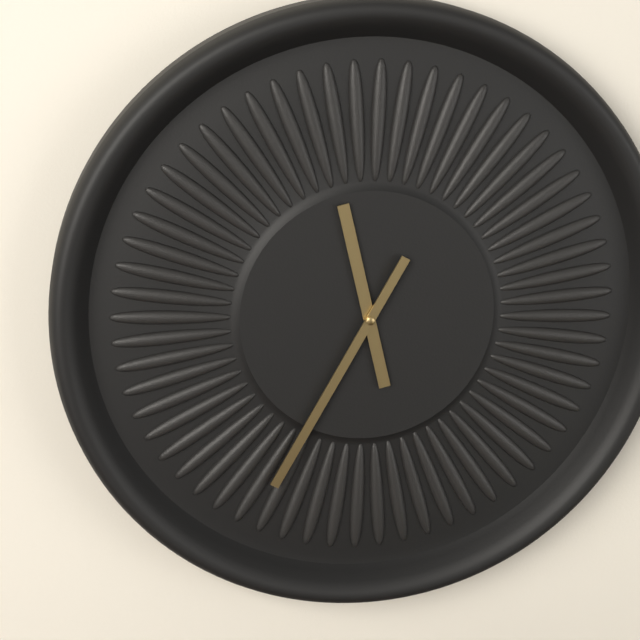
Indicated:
**11:35**
